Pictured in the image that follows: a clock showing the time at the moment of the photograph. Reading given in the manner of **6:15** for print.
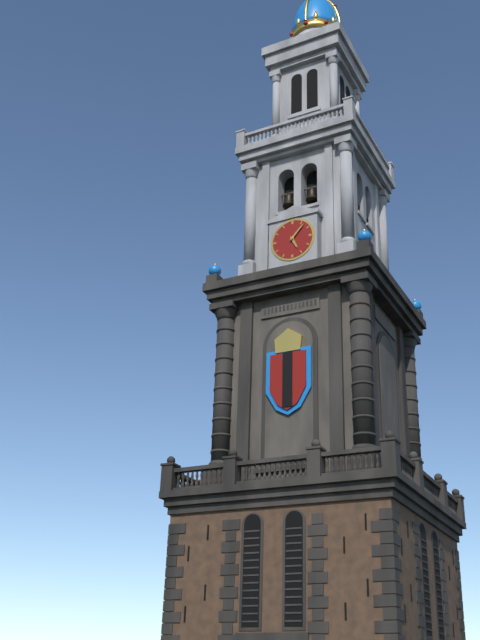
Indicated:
**5:07**
